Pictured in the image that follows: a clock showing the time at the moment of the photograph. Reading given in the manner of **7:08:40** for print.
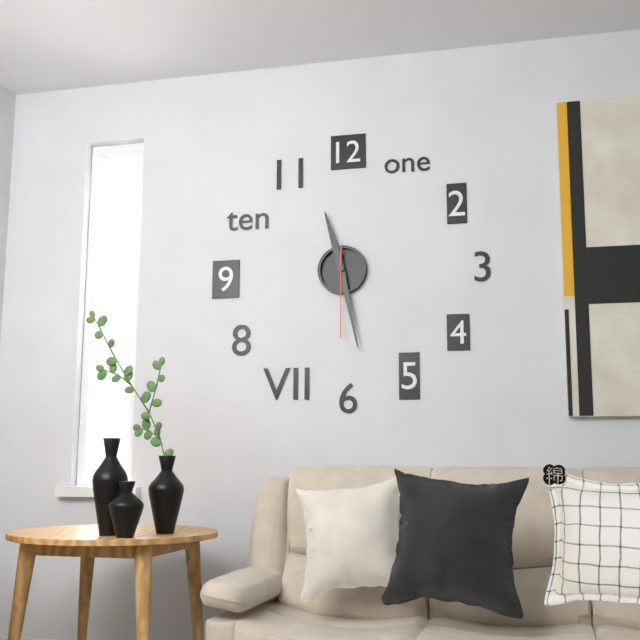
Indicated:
**11:28:30**
